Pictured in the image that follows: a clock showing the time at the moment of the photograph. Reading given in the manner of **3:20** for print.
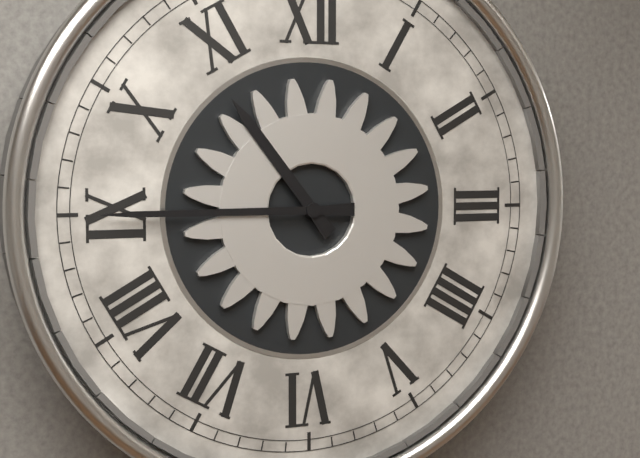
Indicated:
**10:45**
